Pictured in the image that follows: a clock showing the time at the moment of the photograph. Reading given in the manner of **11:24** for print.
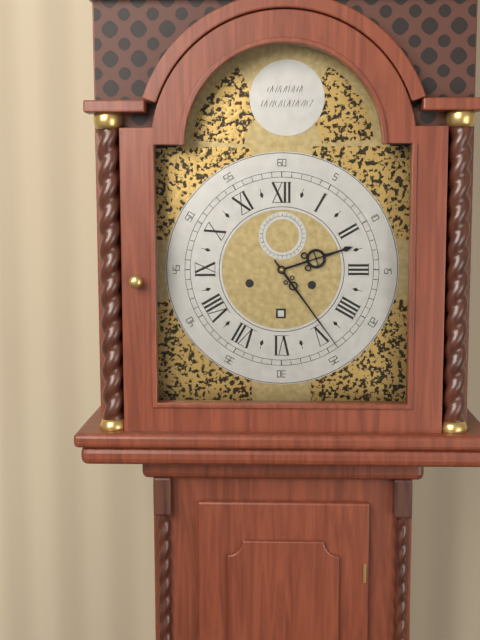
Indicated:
**2:24**
